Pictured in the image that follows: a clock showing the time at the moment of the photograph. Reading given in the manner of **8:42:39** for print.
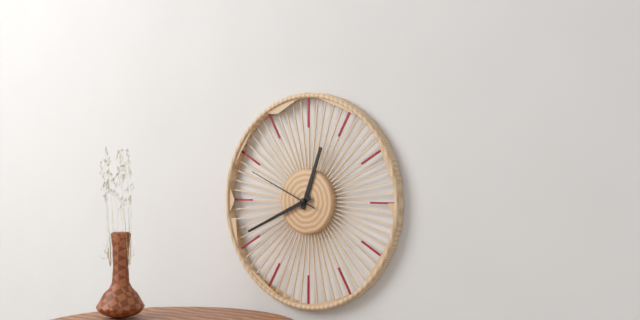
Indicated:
**12:41:49**
